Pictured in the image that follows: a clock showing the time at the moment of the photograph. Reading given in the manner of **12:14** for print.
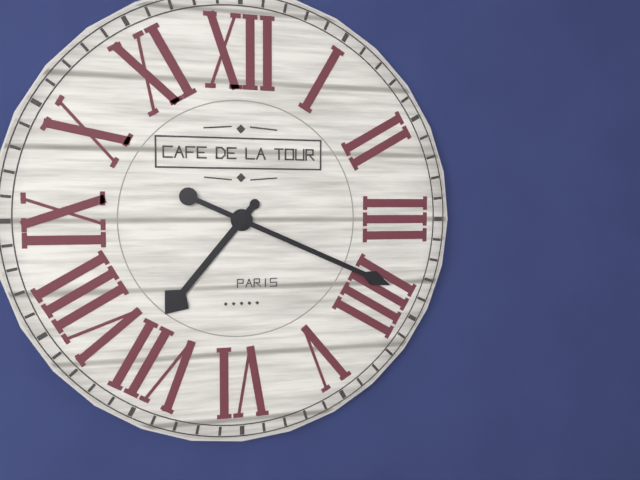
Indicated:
**7:19**
